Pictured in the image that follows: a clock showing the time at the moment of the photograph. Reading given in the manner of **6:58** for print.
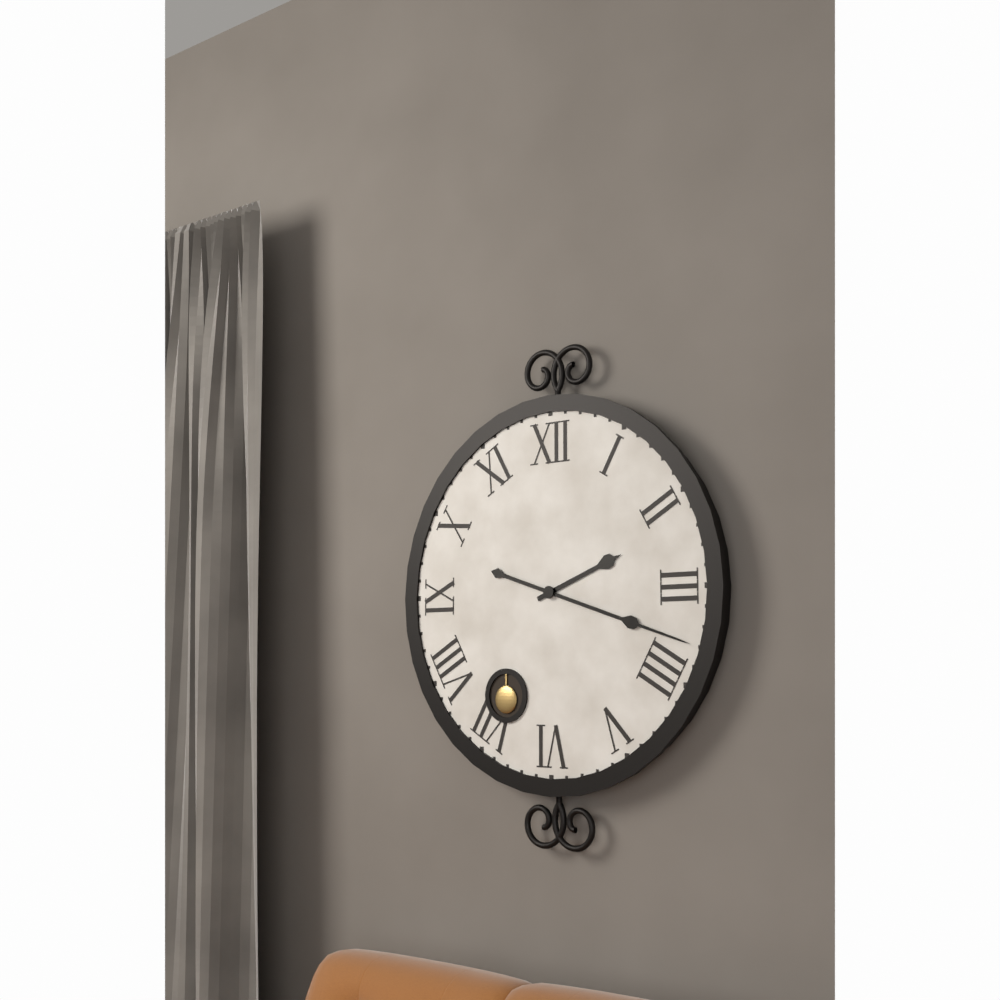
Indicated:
**2:18**
